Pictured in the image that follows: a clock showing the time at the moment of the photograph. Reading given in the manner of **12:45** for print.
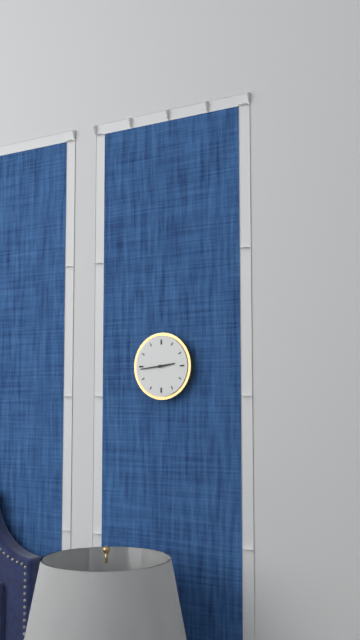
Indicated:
**2:44**
